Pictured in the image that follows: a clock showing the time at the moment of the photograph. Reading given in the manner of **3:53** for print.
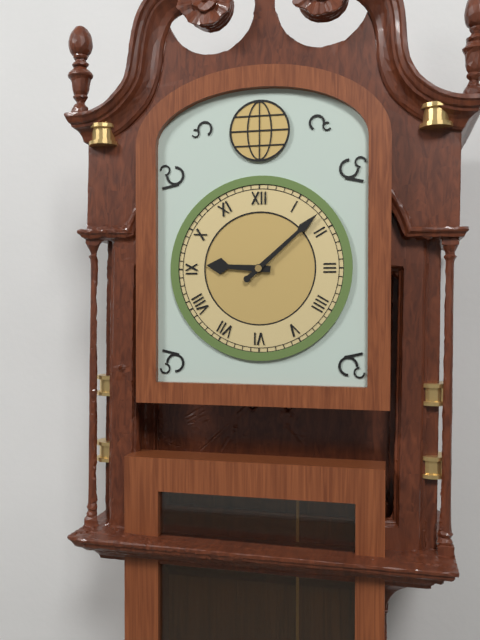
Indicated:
**9:08**
